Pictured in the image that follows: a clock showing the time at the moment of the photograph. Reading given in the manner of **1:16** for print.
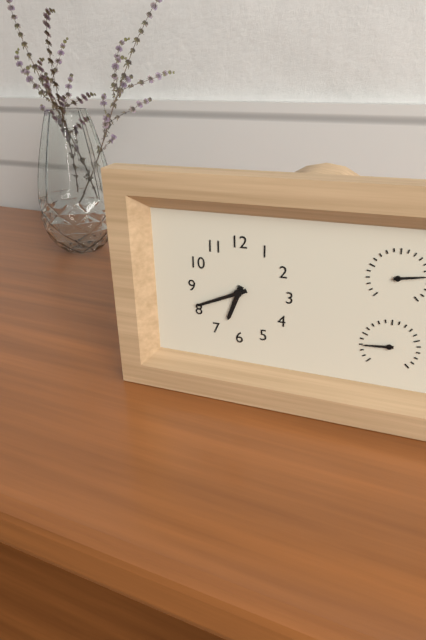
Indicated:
**6:41**
